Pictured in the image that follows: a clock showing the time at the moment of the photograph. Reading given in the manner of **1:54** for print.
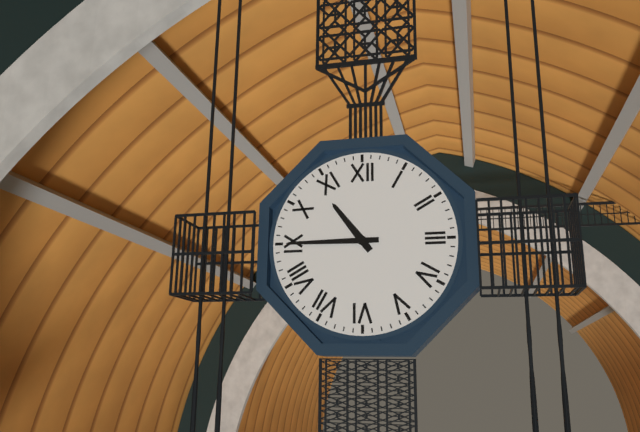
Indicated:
**10:45**
